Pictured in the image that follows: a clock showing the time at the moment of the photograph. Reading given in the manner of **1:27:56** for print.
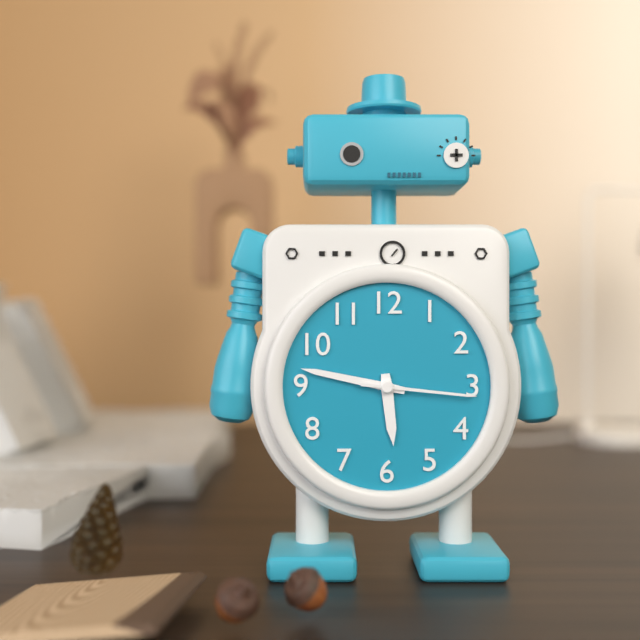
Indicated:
**5:47:16**
